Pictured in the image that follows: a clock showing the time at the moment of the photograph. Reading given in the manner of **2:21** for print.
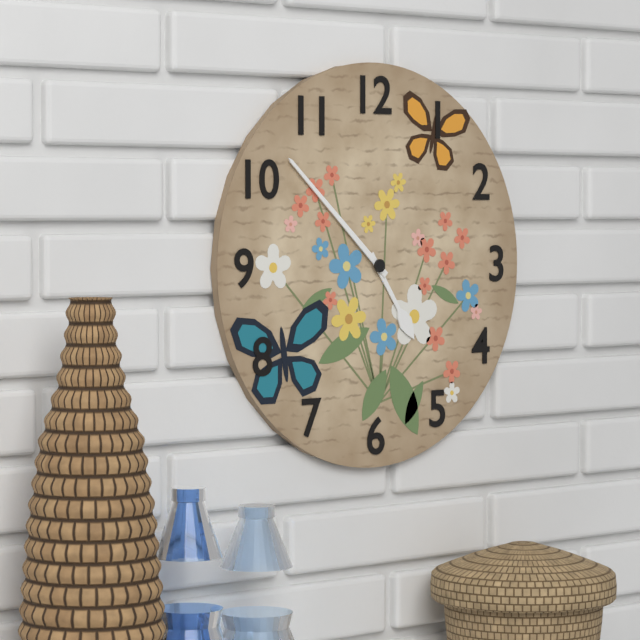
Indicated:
**4:52**
